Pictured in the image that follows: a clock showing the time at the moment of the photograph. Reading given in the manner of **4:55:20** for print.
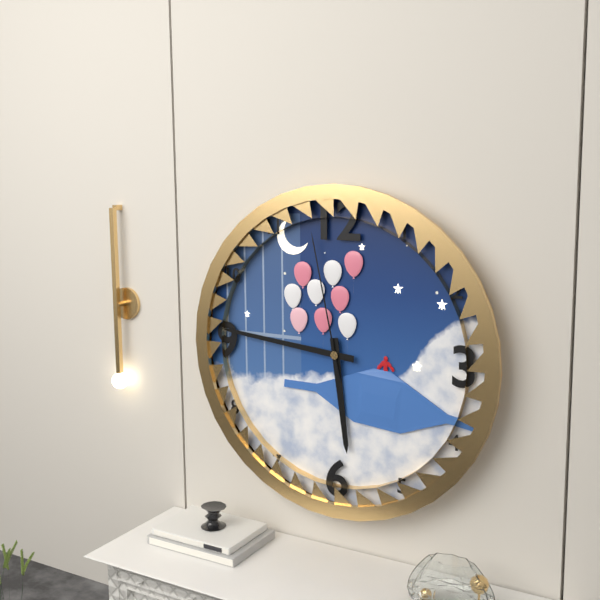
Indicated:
**5:46:58**
